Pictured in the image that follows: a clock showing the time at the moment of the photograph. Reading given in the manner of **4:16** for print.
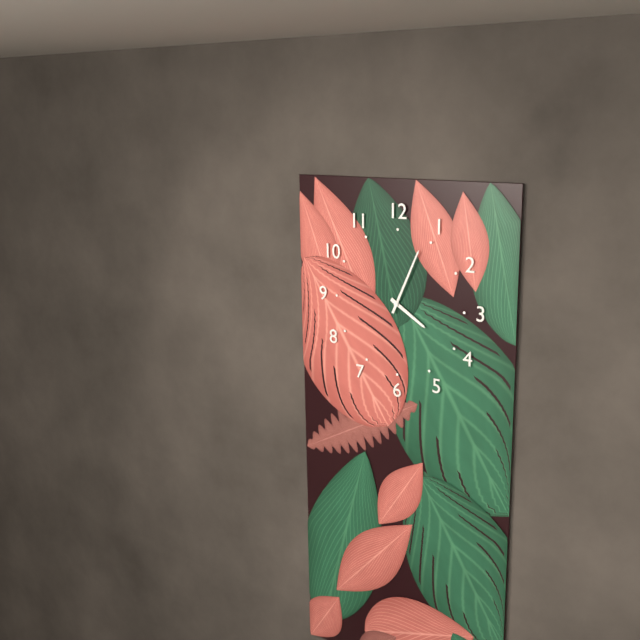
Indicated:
**4:04**
